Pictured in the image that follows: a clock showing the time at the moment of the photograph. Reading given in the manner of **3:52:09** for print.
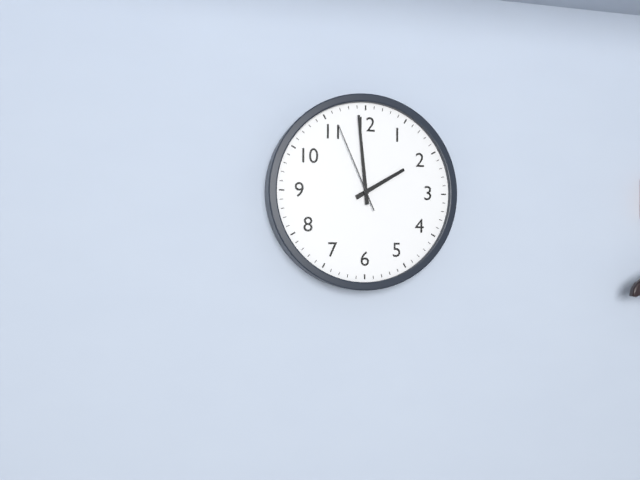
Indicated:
**1:59:56**
